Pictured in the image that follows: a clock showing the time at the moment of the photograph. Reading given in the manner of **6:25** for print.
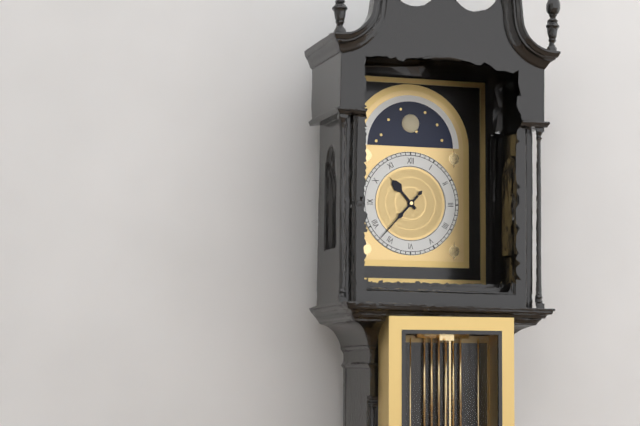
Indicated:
**10:37**
